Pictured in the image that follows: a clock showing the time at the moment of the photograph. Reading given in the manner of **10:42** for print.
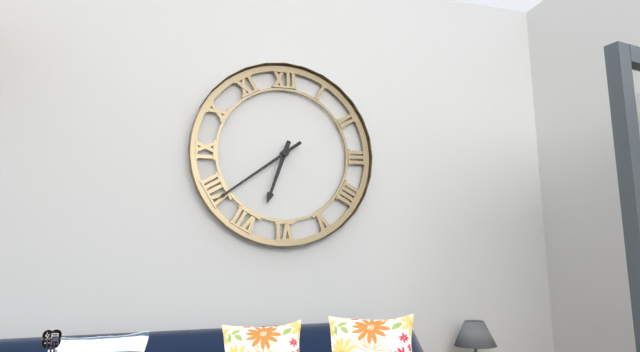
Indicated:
**6:39**
